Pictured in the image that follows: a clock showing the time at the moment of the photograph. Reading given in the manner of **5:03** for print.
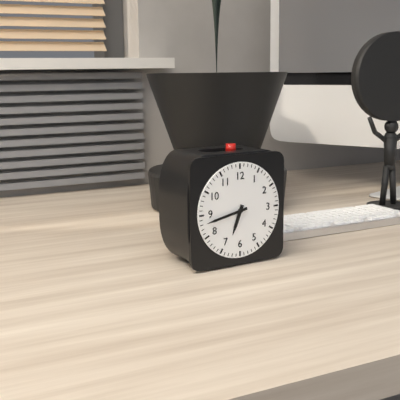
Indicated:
**6:43**
